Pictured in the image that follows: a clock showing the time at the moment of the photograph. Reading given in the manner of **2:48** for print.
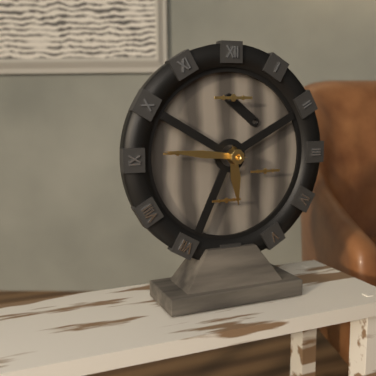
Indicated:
**5:46**
